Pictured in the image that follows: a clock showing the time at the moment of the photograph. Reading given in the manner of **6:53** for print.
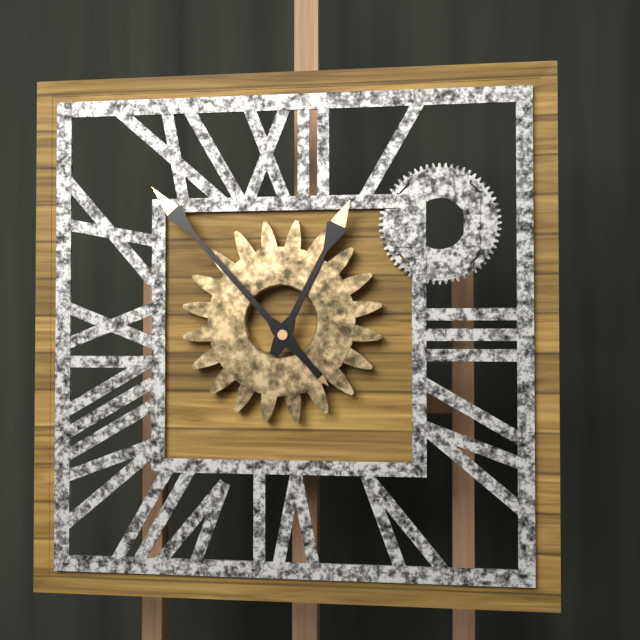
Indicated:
**12:53**
